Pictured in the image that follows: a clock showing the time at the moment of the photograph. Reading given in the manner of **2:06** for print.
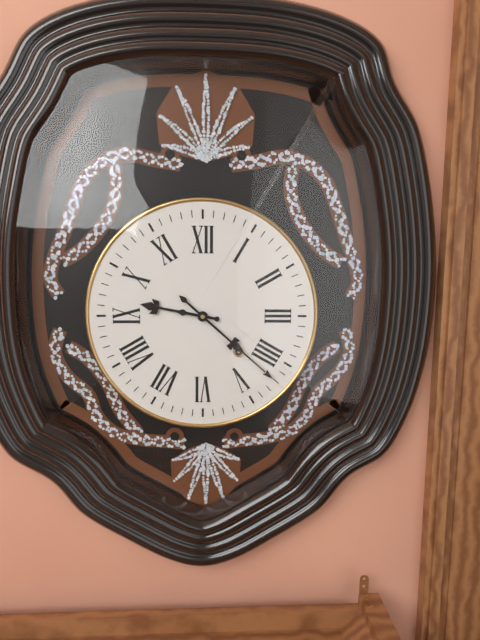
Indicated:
**9:22**
